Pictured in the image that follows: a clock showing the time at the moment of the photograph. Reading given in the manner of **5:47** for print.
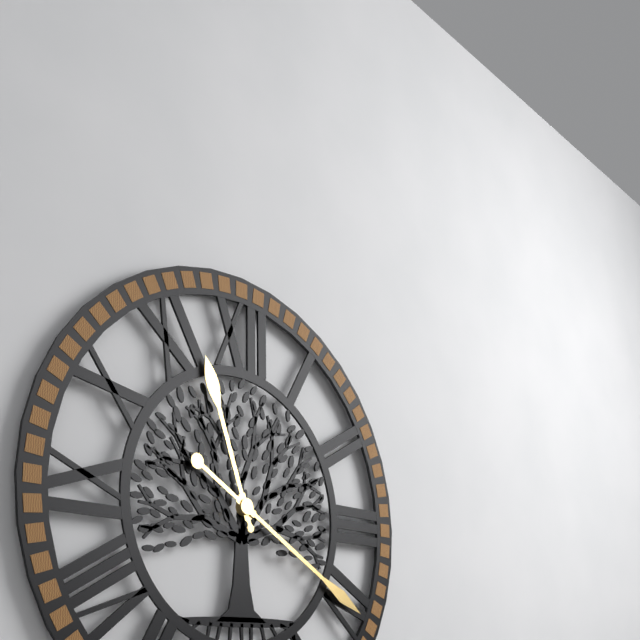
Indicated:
**11:20**
